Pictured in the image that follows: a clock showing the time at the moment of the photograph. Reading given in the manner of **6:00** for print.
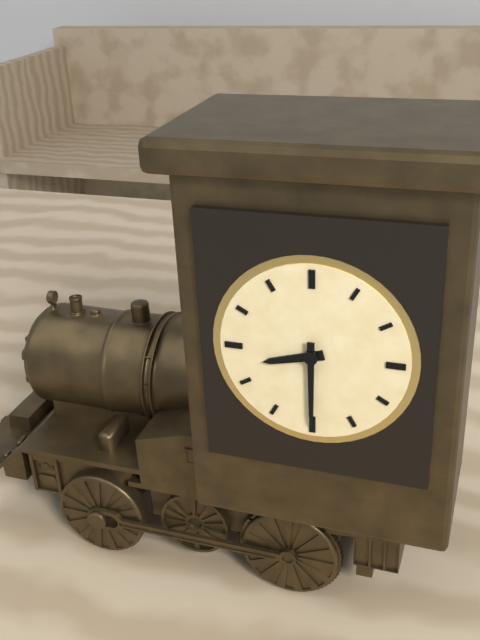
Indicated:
**8:30**
